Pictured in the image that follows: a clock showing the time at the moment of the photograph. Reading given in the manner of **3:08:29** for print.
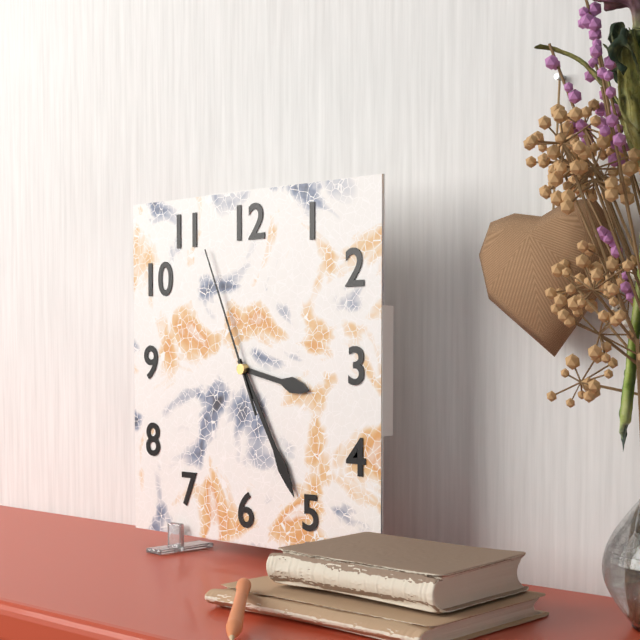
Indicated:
**3:25:56**
